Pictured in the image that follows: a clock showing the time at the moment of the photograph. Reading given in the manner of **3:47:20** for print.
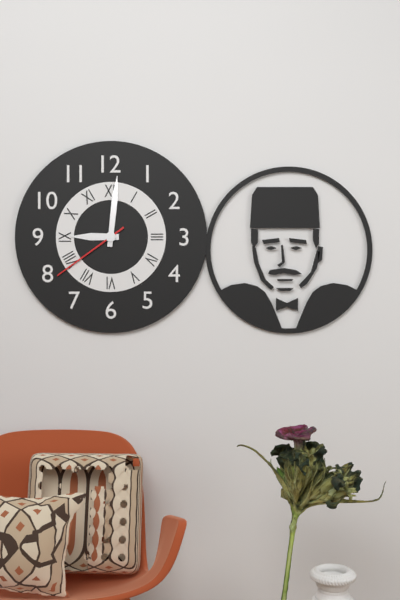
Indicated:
**9:01:39**
